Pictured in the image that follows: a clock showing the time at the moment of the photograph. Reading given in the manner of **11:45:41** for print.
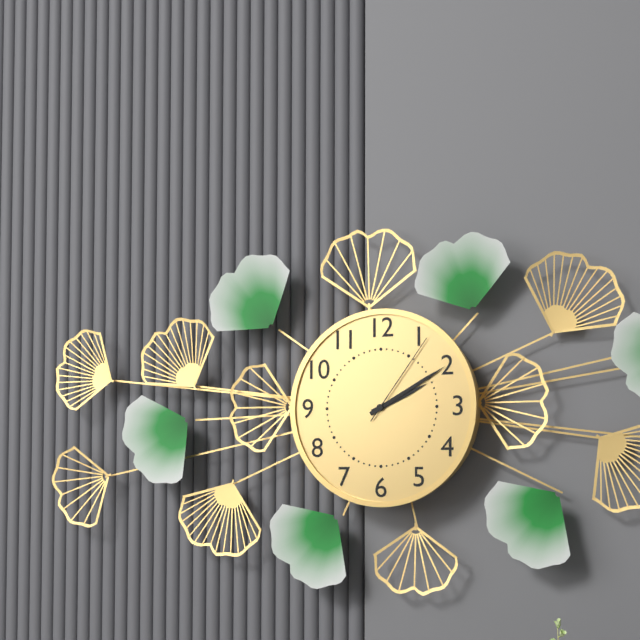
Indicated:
**2:10:06**
